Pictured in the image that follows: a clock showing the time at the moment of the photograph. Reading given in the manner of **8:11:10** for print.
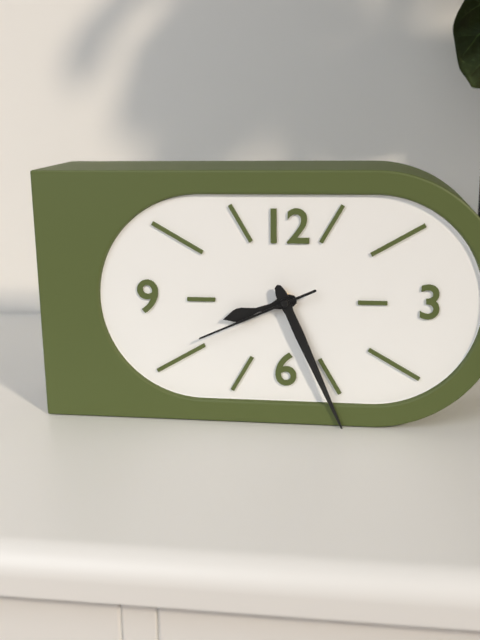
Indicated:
**8:26:41**
